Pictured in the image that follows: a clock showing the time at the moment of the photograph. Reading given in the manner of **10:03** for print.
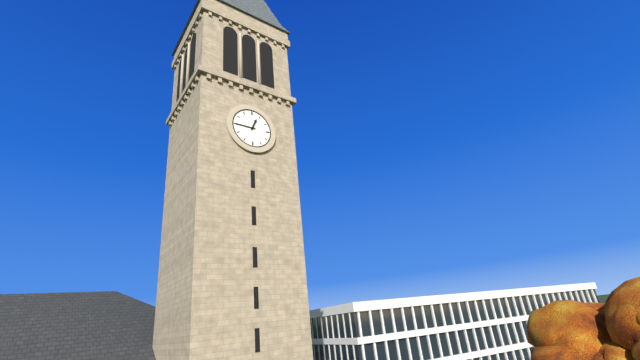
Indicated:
**12:45**
